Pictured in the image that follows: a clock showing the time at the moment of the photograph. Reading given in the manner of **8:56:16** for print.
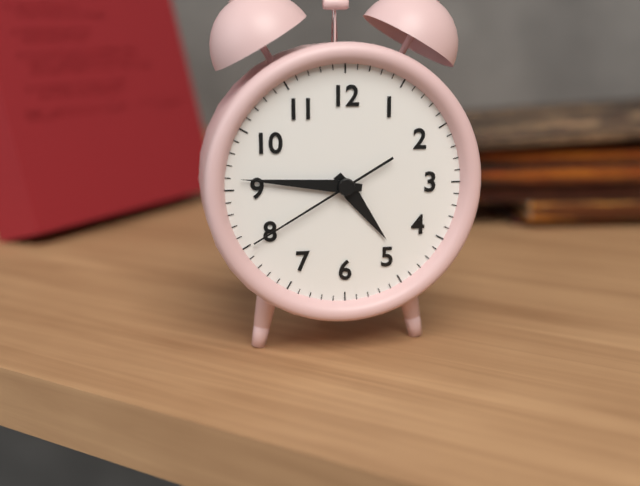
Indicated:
**4:46:40**
